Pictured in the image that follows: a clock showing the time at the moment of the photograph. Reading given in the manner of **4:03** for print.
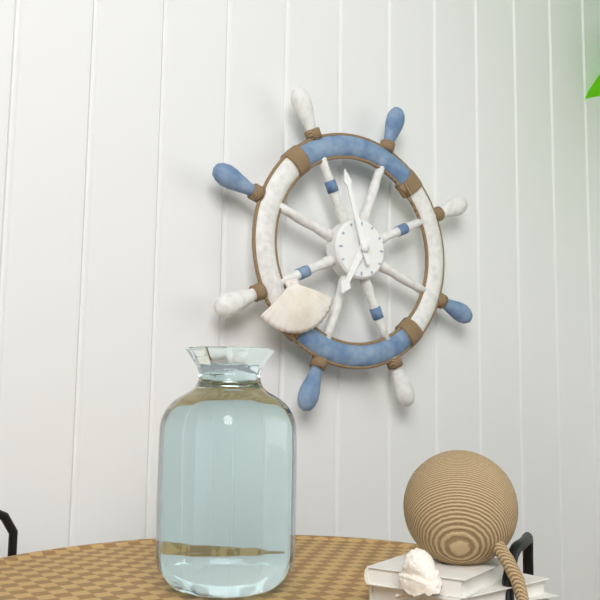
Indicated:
**6:57**
